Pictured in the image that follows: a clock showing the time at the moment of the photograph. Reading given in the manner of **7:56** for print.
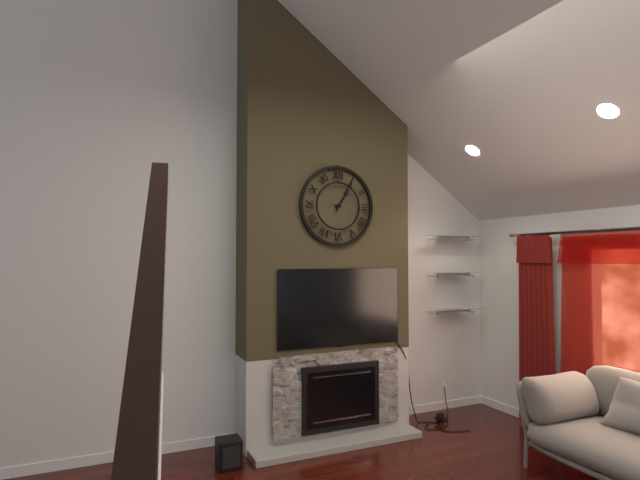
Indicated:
**1:05**
